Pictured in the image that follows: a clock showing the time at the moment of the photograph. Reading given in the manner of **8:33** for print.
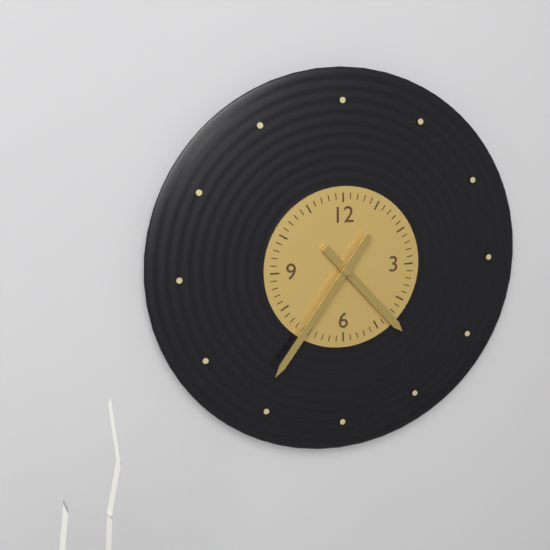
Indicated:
**4:36**
